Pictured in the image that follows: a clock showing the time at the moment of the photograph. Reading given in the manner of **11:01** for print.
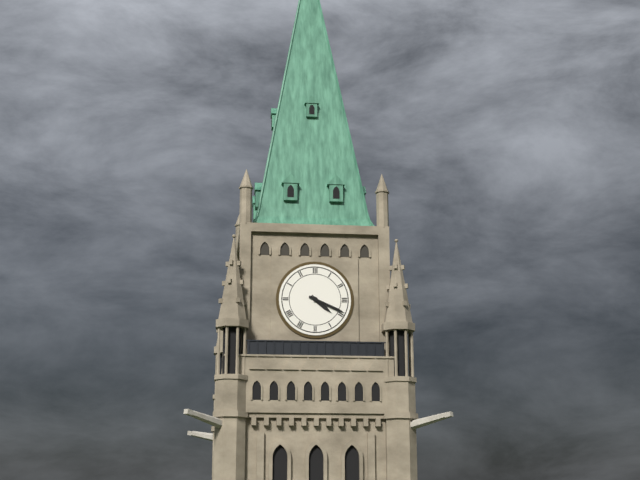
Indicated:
**4:19**
